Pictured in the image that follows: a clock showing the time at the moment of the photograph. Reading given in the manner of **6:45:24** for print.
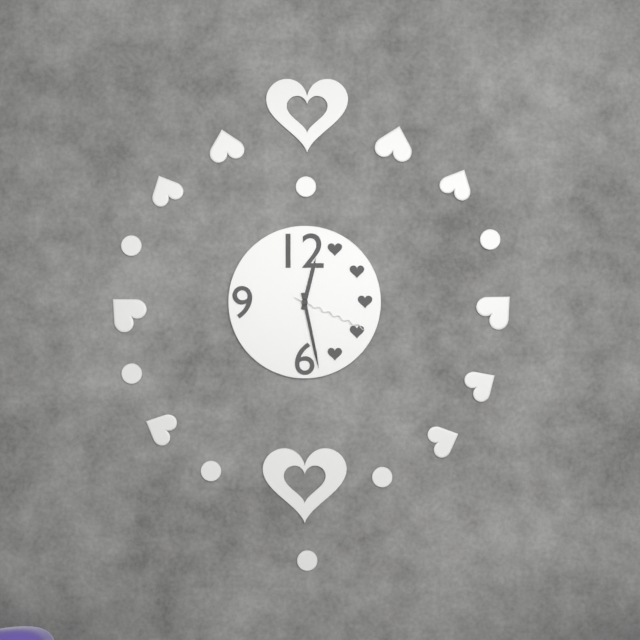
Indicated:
**12:28:19**
